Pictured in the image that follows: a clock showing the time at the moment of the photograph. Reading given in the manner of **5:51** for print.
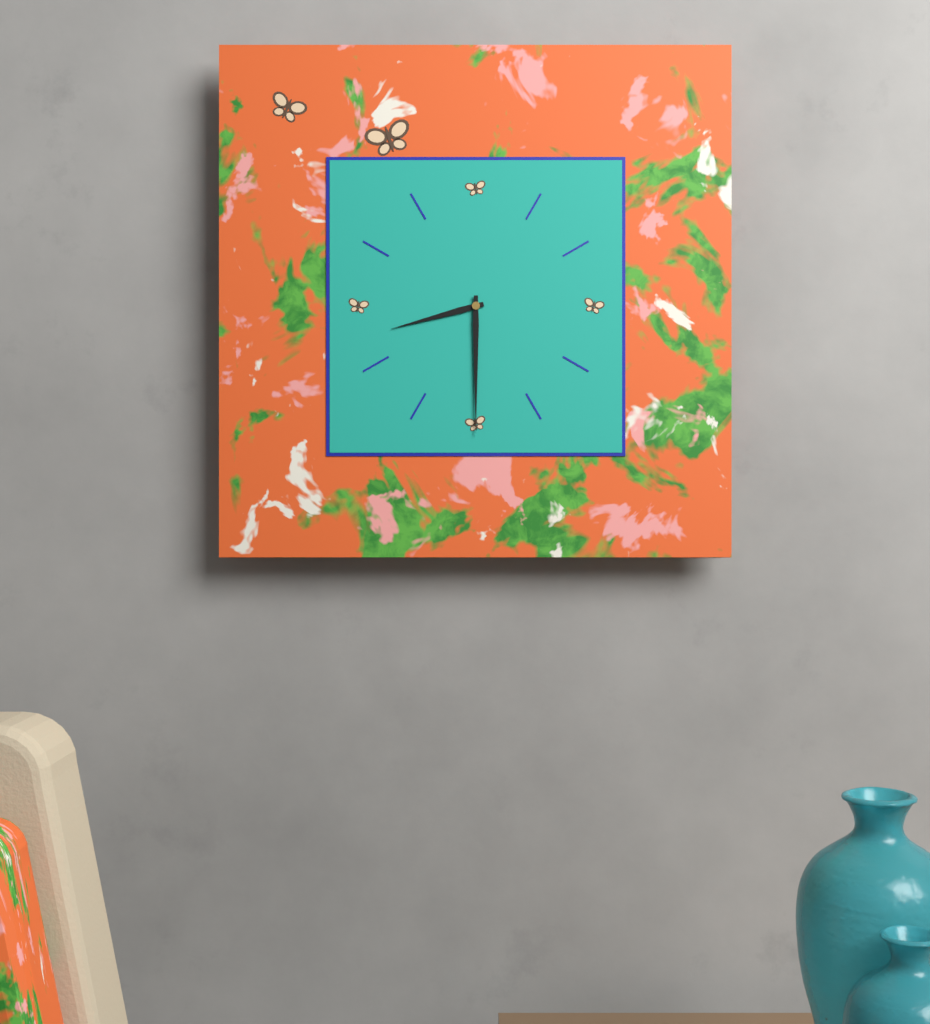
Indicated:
**8:30**
